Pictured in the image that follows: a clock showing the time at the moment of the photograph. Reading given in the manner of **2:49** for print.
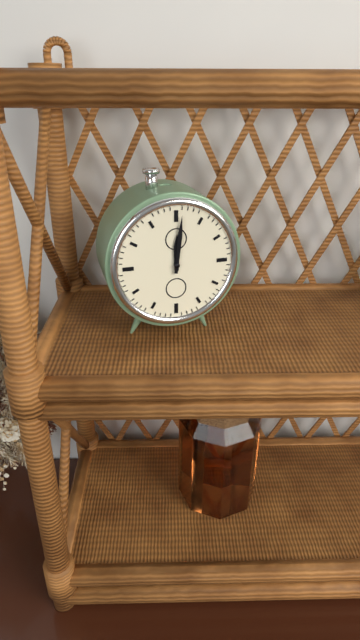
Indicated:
**12:01**
